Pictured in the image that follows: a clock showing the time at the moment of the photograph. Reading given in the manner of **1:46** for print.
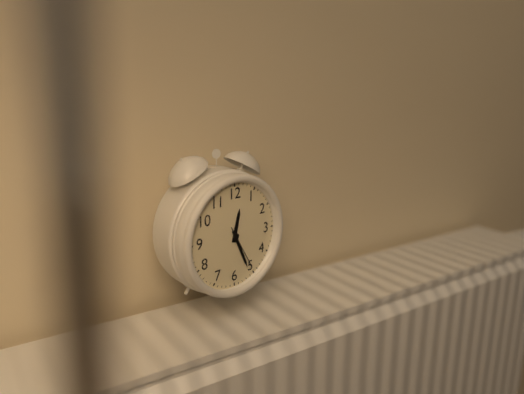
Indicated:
**12:26**
